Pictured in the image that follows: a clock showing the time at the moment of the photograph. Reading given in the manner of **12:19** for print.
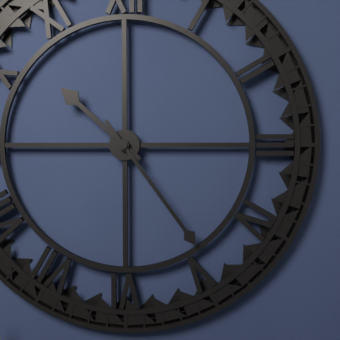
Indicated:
**10:24**
